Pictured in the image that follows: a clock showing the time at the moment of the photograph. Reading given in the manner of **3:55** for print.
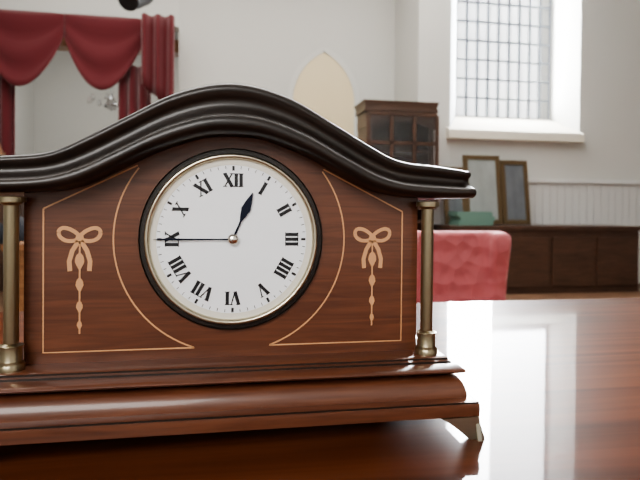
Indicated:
**12:45**
